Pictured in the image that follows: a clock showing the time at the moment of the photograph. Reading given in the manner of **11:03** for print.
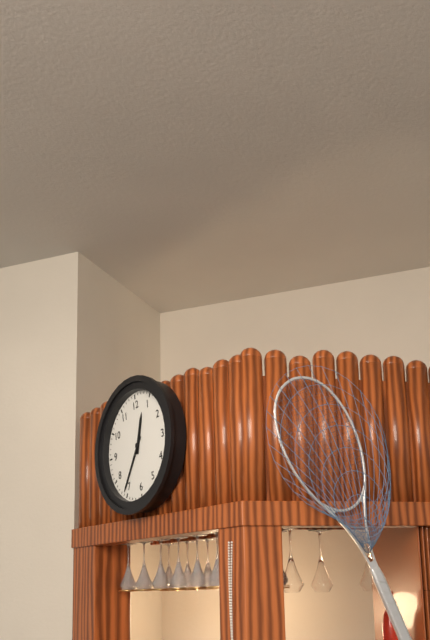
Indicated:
**12:36**
